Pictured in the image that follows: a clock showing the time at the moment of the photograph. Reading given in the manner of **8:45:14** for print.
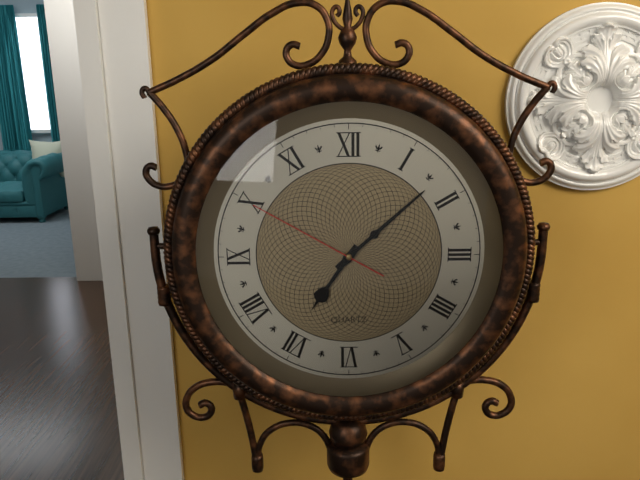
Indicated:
**7:08:50**
